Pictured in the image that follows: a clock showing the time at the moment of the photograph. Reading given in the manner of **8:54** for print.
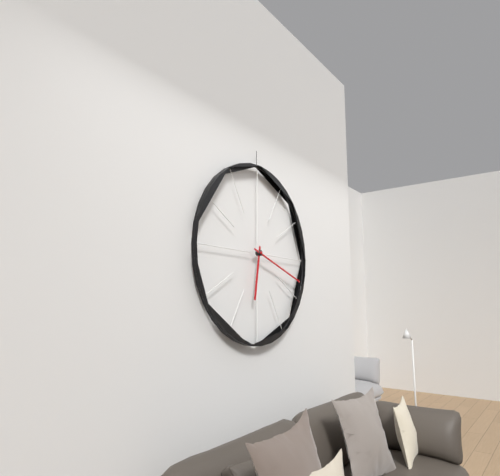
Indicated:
**6:18**
